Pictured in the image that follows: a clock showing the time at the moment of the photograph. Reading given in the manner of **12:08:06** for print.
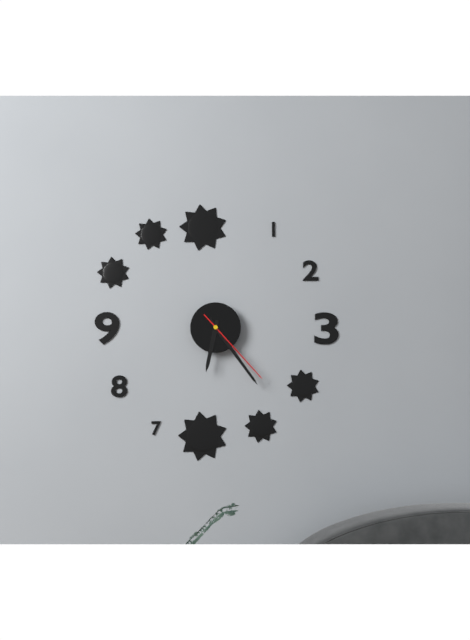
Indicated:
**6:24:23**
